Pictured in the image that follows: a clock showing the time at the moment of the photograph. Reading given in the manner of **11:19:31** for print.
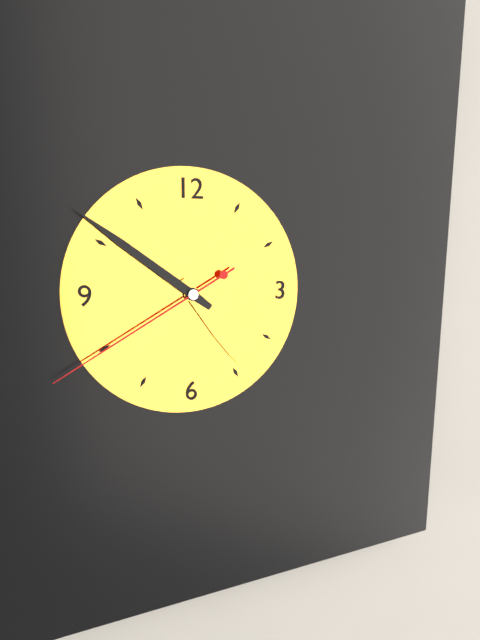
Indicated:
**4:51:40**
